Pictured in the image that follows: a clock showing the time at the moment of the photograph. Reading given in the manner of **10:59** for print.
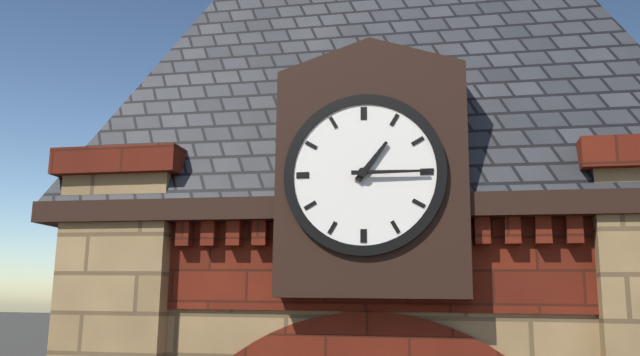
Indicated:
**1:15**
